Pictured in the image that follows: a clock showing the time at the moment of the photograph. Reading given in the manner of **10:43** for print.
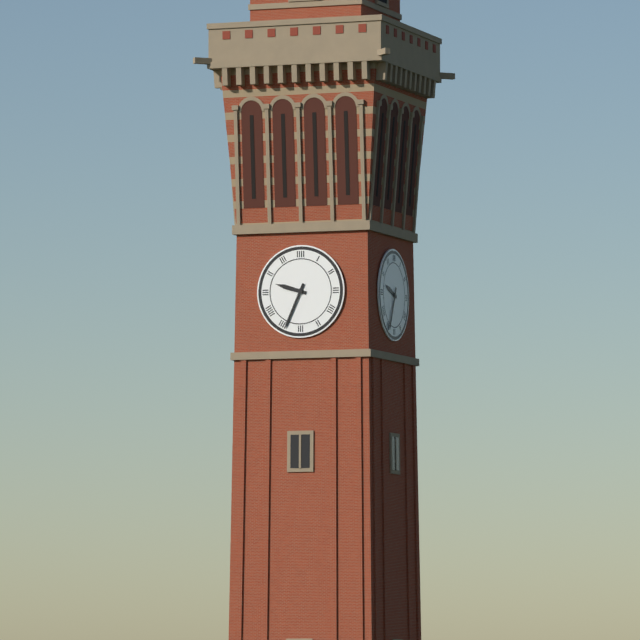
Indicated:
**9:34**
